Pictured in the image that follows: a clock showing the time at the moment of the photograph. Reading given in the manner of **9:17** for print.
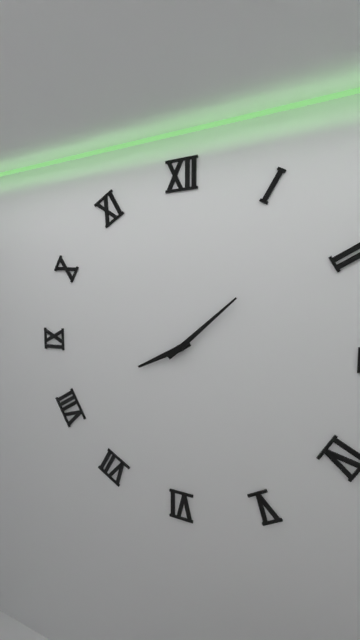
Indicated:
**8:08**
